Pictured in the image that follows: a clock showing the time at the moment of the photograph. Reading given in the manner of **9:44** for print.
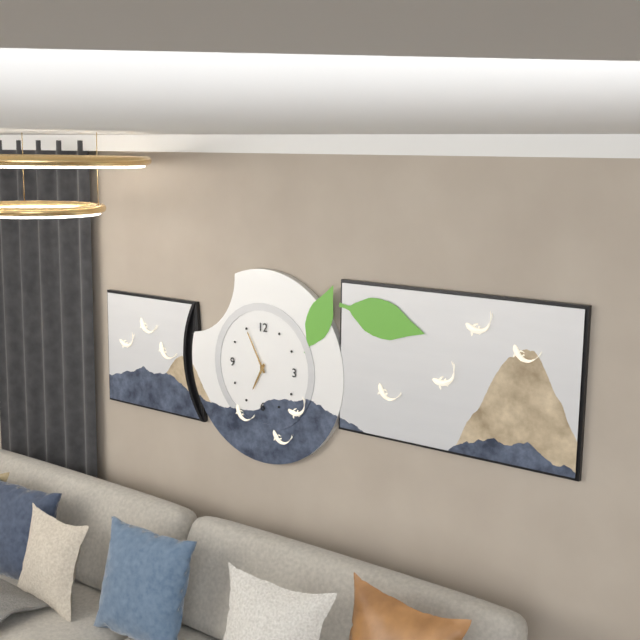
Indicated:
**6:55**
